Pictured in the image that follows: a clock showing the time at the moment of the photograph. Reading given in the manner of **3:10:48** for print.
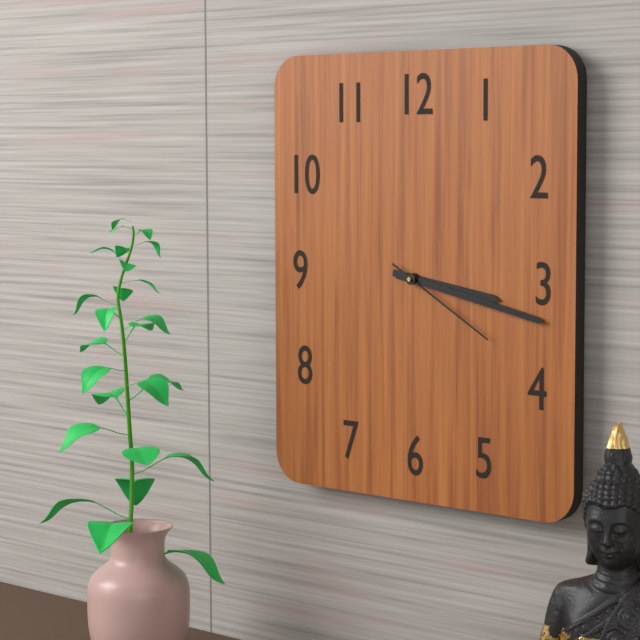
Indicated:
**3:17:20**
